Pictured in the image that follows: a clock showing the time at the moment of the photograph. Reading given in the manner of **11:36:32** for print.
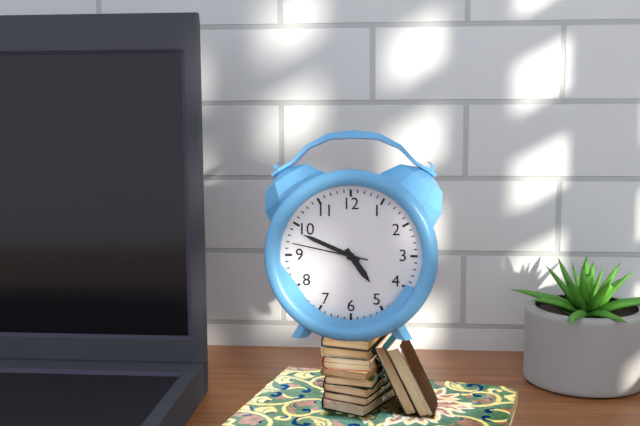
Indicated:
**4:49:47**
